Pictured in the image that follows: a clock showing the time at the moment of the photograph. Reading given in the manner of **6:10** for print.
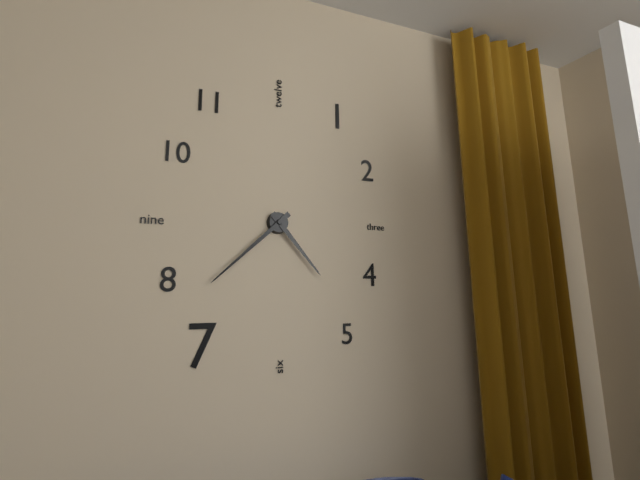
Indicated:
**4:38**
